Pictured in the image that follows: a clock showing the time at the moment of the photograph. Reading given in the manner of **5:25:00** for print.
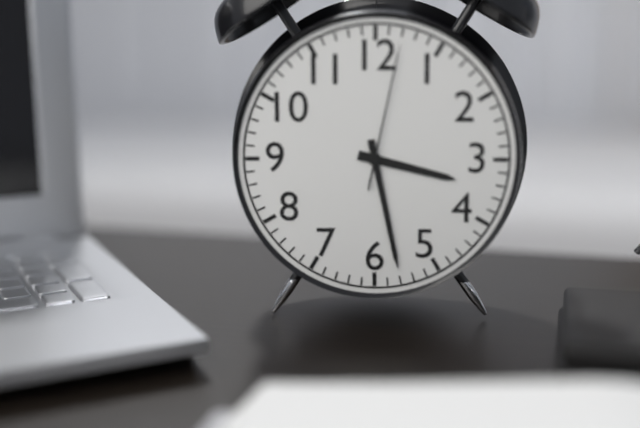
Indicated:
**3:28:02**
